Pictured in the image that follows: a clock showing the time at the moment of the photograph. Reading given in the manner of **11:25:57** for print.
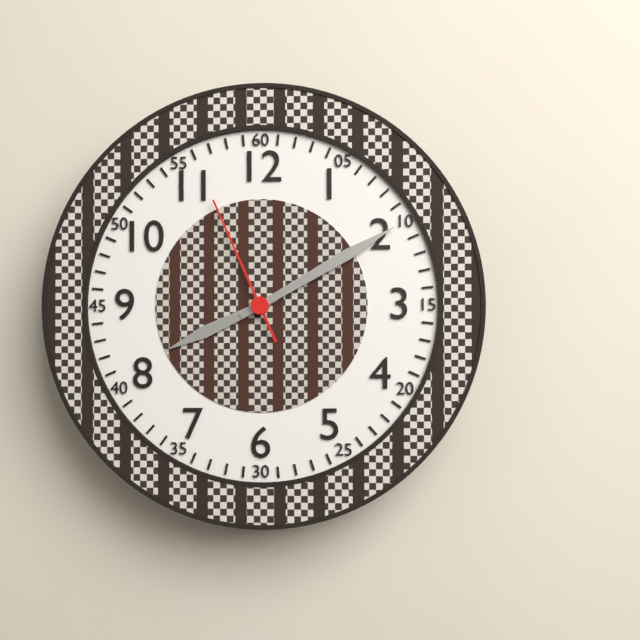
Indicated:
**8:10:56**
